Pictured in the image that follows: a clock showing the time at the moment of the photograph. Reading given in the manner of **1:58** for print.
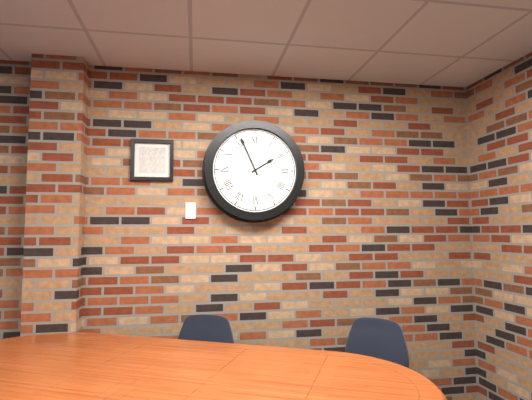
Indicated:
**1:56**
